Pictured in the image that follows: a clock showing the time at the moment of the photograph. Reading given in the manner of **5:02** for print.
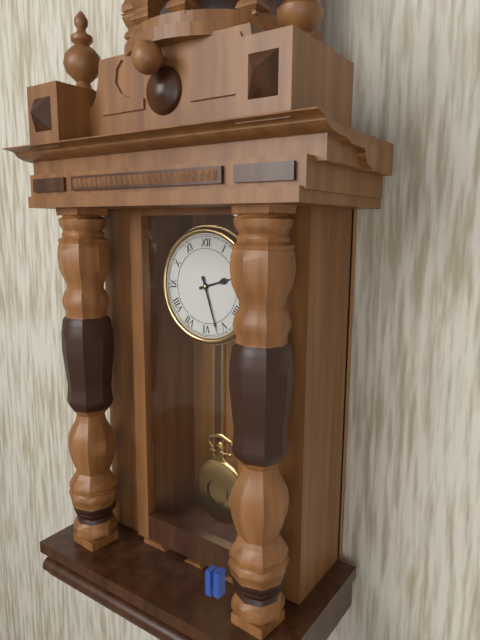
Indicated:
**2:27**
